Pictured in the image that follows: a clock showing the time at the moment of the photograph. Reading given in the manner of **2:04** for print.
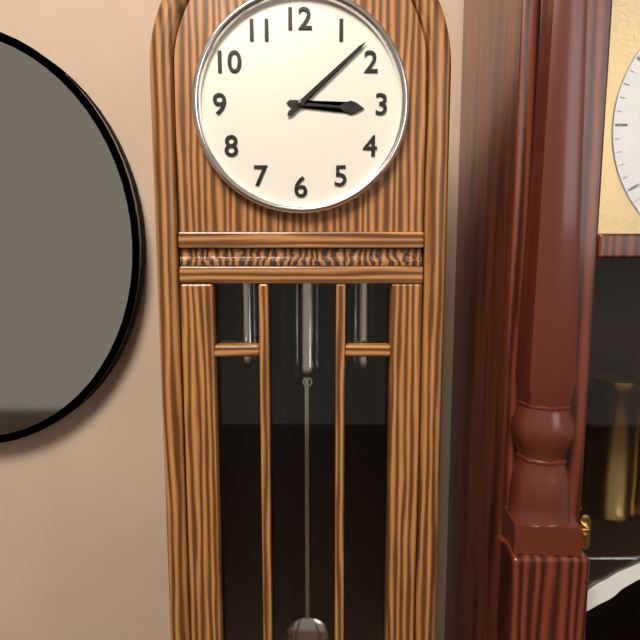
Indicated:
**3:08**
